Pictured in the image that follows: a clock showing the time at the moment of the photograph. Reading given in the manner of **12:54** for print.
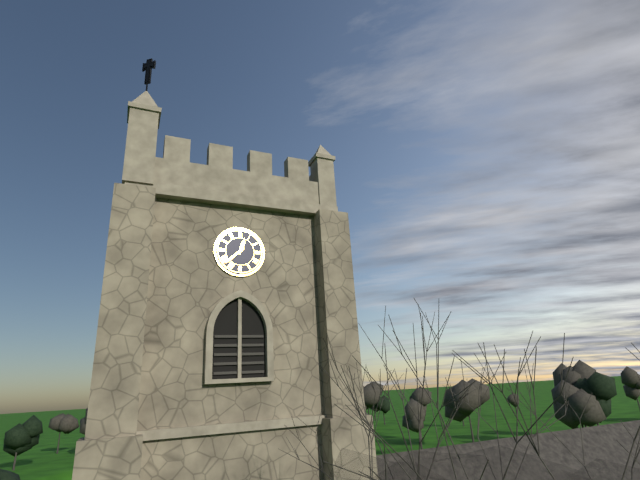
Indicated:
**12:38**
